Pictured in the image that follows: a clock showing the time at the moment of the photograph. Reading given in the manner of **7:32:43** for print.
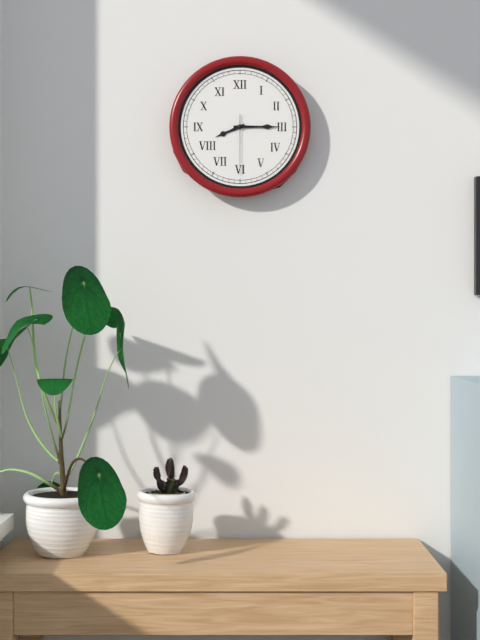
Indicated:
**8:15:30**
